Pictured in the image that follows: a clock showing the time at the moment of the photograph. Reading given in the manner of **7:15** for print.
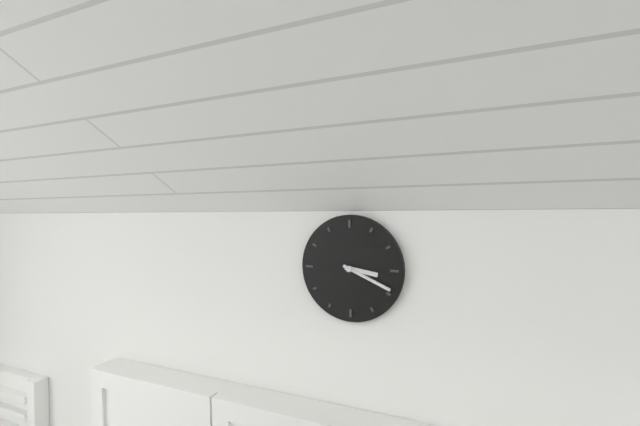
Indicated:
**3:19**
